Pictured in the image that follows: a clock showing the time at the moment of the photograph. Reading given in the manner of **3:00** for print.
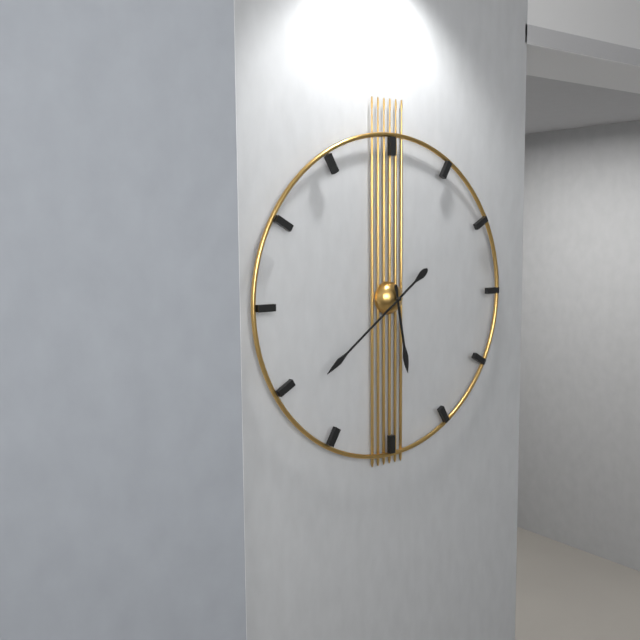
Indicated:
**5:39**
